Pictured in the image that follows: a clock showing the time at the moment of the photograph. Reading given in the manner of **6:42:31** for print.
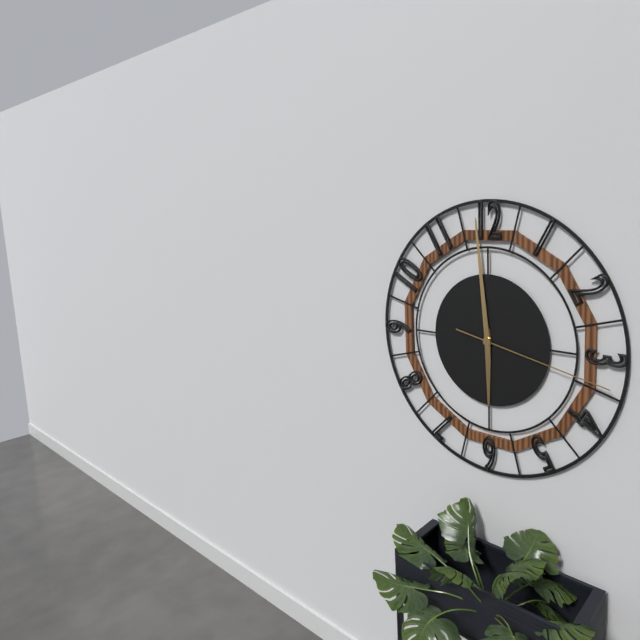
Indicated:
**5:59:17**
